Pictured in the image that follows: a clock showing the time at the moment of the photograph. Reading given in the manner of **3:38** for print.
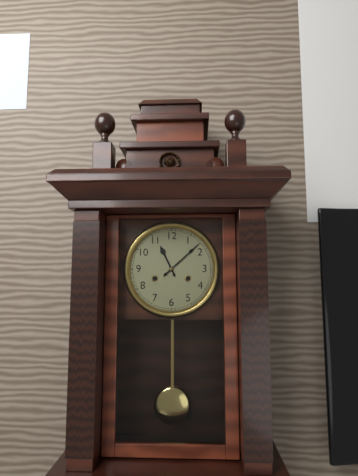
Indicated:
**11:08**
